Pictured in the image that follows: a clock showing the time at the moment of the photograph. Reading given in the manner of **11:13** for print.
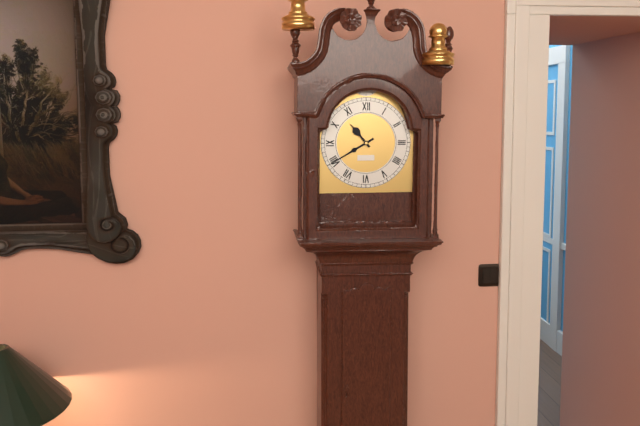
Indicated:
**10:40**
